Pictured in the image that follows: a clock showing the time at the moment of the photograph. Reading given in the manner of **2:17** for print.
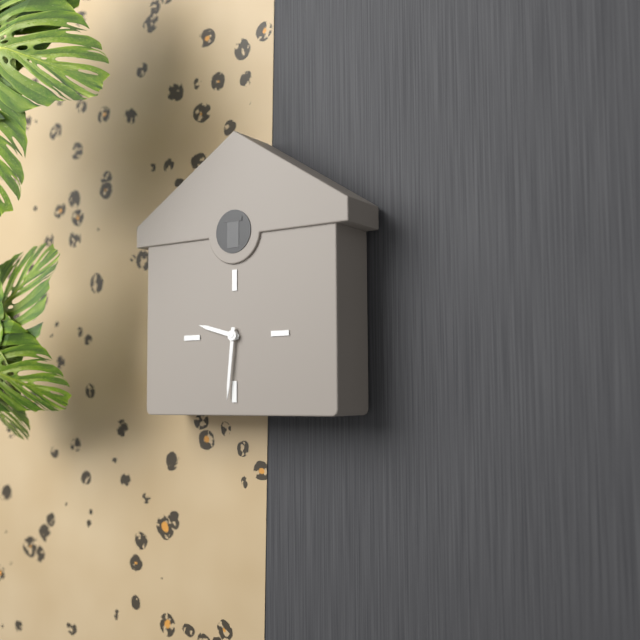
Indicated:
**9:31**
